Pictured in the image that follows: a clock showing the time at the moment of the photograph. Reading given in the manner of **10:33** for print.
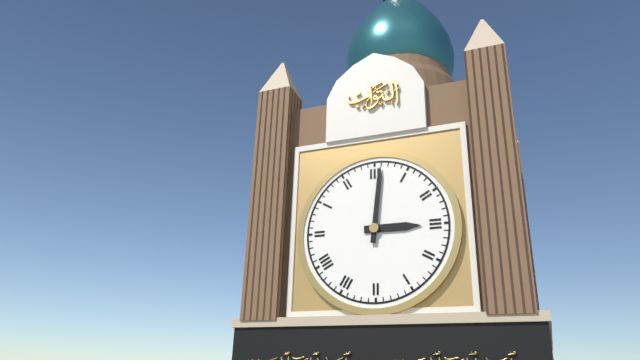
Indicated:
**3:01**
